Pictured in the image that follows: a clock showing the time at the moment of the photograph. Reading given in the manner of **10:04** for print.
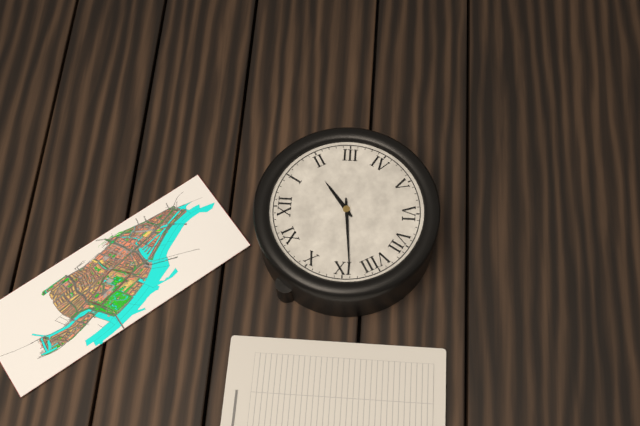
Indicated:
**1:44**
